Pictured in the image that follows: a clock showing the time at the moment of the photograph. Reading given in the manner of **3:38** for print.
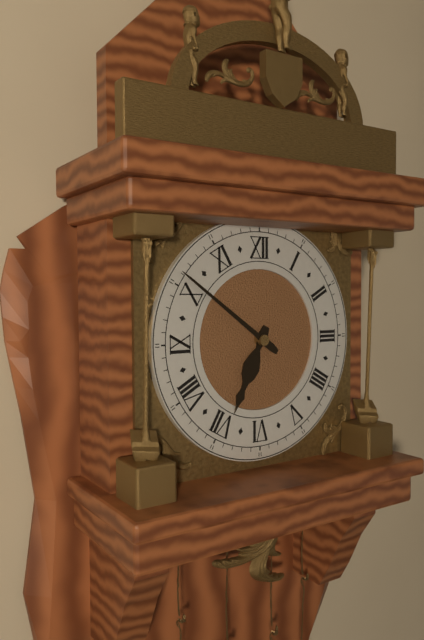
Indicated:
**6:51**
